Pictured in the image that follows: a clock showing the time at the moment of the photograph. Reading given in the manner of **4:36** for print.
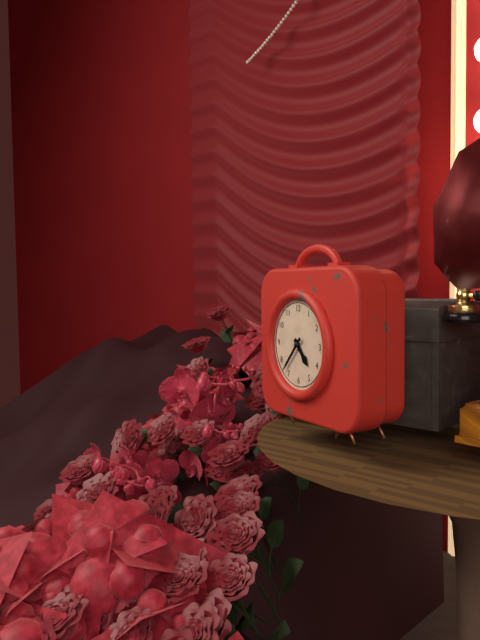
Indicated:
**4:37**
